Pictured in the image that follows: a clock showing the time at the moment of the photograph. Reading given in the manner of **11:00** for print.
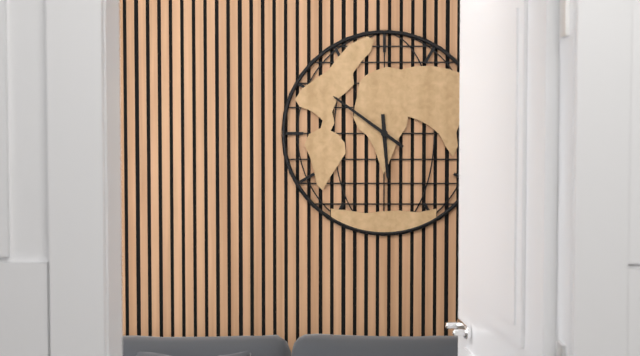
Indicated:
**5:51**
